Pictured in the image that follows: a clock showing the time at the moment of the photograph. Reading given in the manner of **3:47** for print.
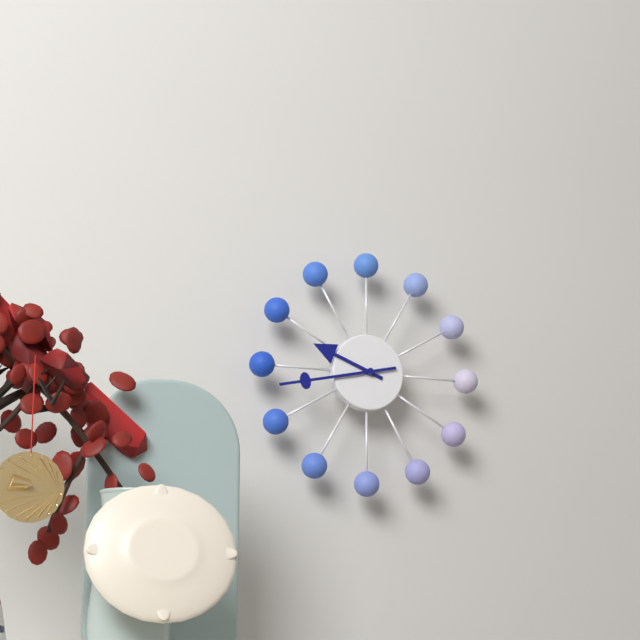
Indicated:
**9:43**
